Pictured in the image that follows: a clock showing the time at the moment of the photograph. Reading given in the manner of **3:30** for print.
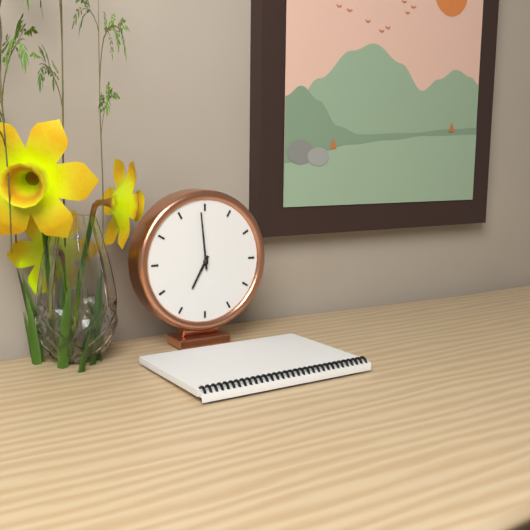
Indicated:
**6:59**
